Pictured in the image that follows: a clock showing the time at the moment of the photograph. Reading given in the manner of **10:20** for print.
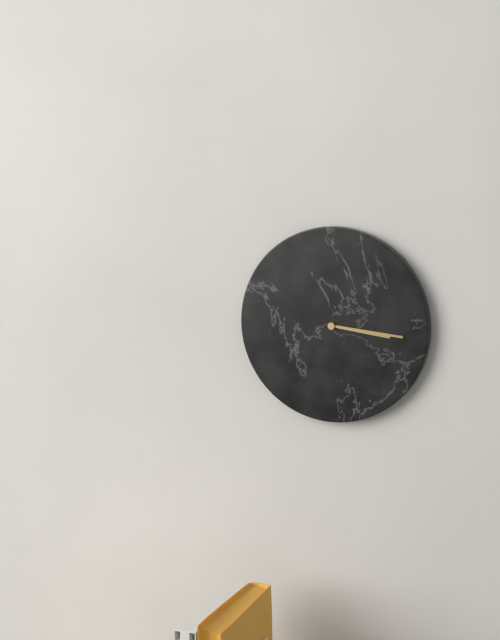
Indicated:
**3:16**
